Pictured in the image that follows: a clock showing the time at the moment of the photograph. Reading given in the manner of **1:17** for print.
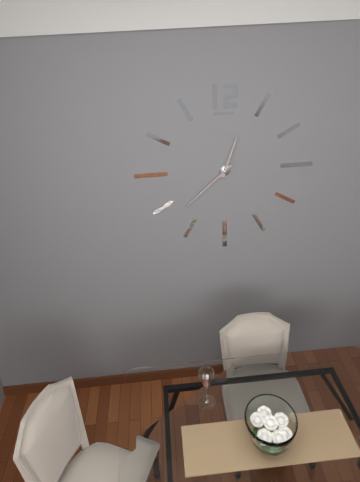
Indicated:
**12:38**
